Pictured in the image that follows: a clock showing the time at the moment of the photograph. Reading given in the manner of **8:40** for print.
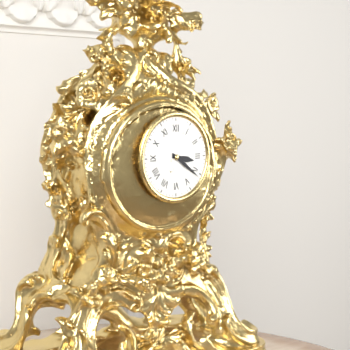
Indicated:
**3:21**
